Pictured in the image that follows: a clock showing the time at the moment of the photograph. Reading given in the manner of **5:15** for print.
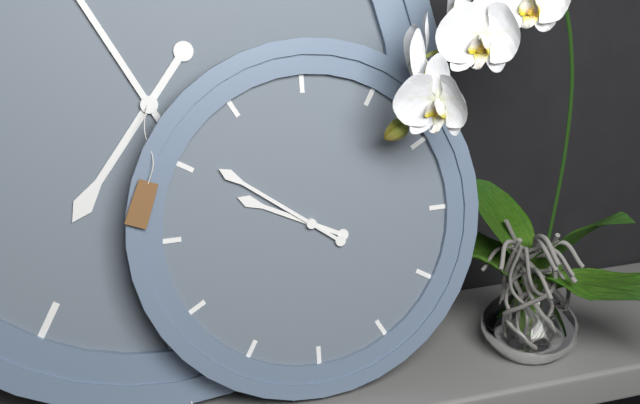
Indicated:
**9:51**
